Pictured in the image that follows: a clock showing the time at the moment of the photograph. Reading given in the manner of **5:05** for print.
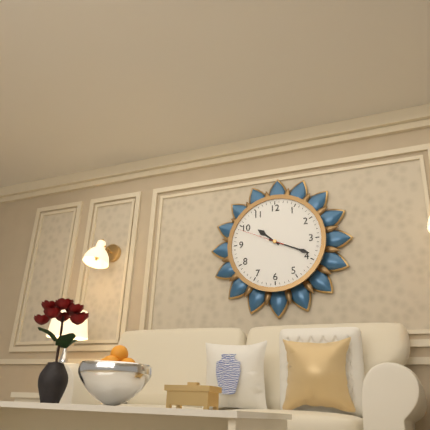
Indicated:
**10:19**
